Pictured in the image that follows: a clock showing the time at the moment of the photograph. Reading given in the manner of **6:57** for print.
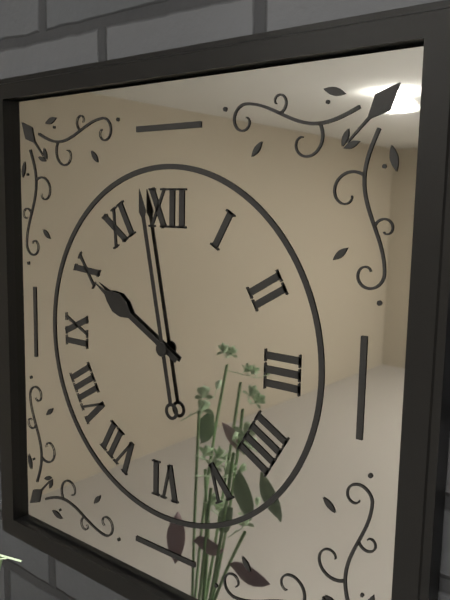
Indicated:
**9:58**
